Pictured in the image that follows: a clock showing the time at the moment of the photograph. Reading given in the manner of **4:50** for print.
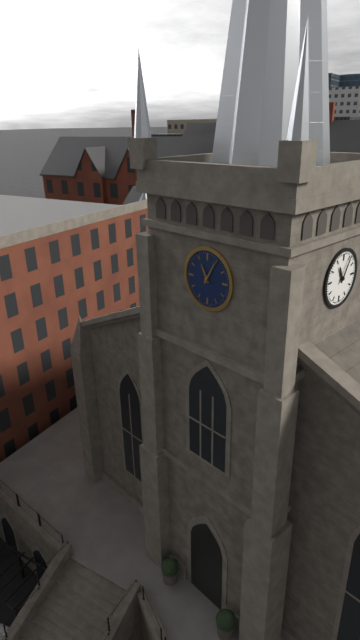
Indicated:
**11:05**
